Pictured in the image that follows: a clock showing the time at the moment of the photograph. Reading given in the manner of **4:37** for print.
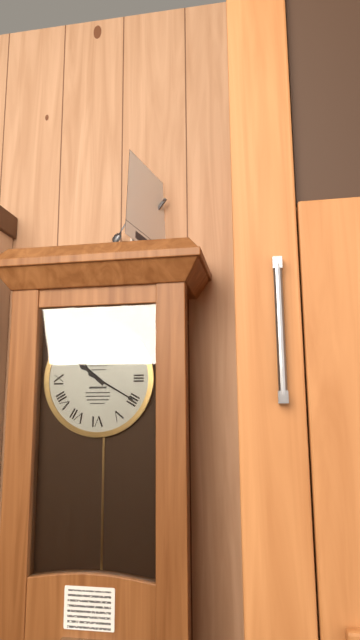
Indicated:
**10:20**
